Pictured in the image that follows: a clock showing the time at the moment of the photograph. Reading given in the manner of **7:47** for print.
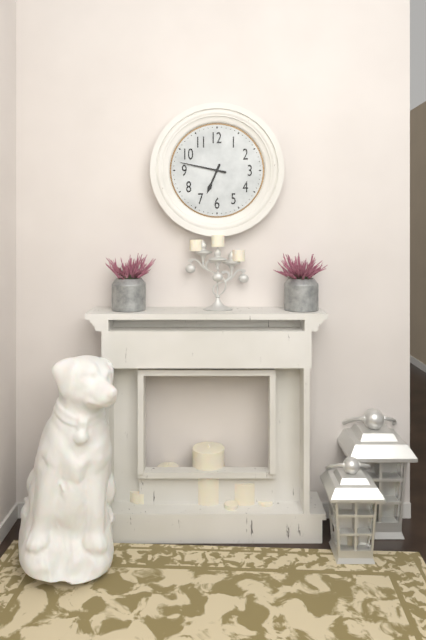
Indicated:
**6:47**
